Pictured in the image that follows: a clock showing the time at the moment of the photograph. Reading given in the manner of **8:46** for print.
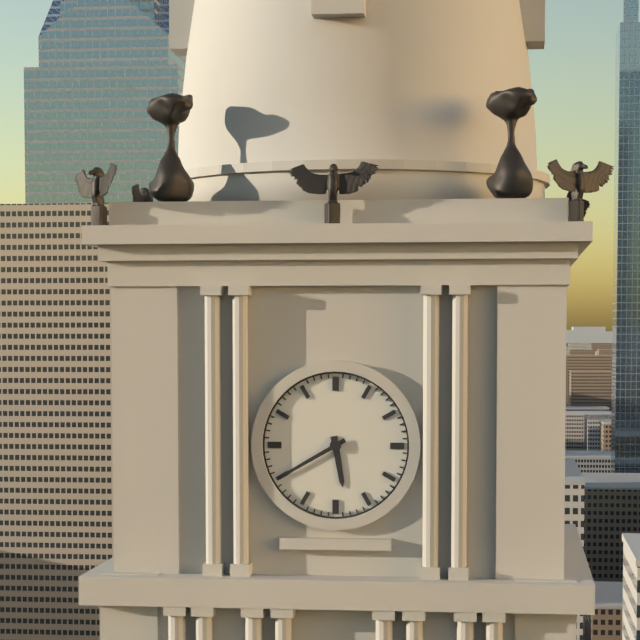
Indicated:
**5:40**
